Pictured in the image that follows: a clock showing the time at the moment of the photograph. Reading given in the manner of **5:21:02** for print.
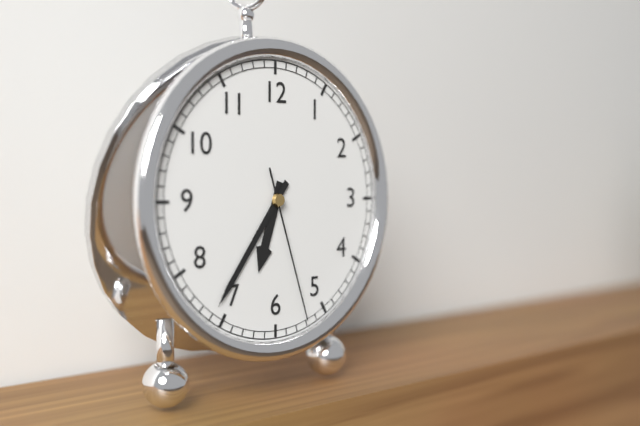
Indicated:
**6:36:27**
